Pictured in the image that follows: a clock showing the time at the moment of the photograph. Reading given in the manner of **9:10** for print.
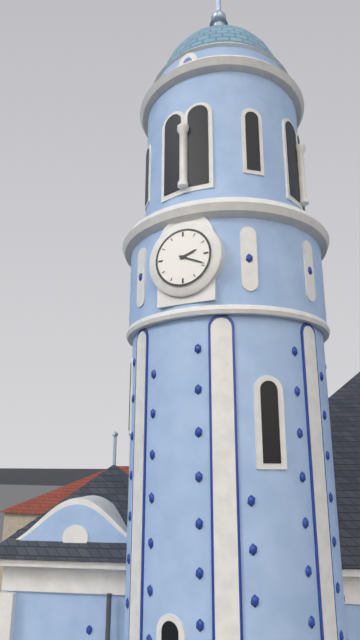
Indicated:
**2:19**
